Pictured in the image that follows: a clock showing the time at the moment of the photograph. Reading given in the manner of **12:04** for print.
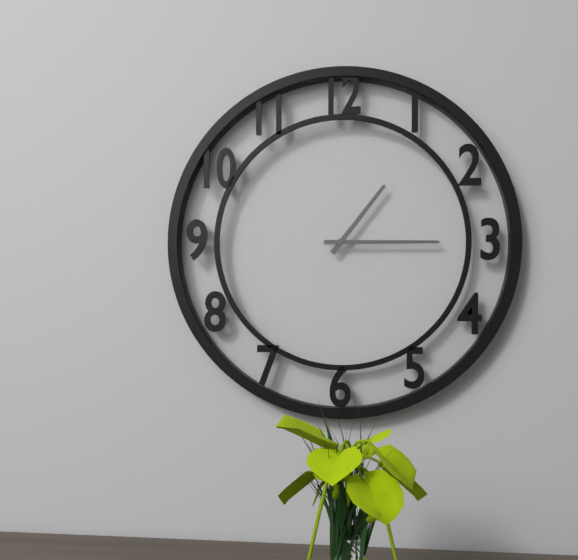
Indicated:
**1:15**
